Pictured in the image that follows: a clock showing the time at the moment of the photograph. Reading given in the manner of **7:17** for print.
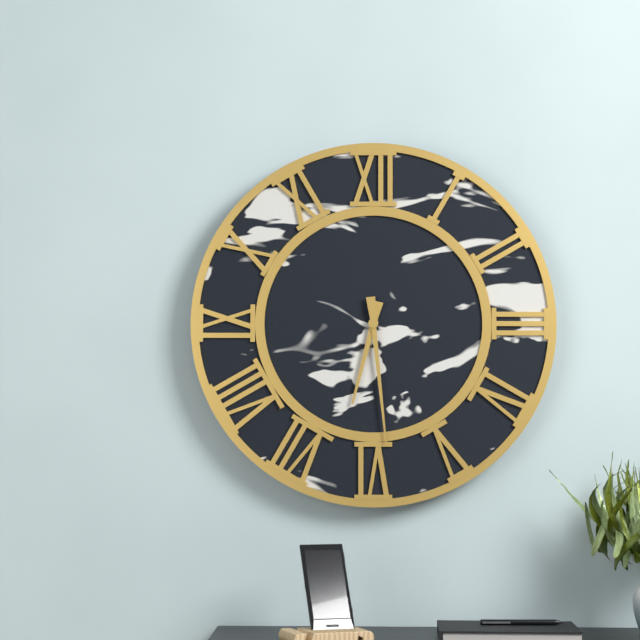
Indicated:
**6:29**
